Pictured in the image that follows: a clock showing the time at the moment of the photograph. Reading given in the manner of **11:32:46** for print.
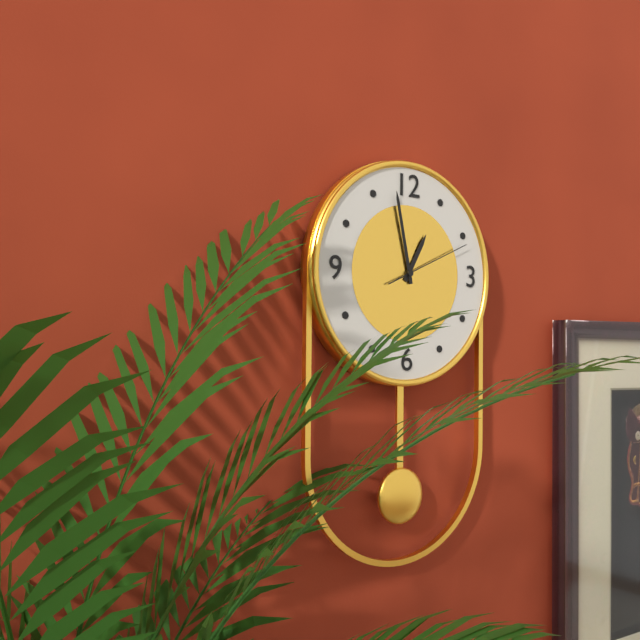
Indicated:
**12:58:11**
